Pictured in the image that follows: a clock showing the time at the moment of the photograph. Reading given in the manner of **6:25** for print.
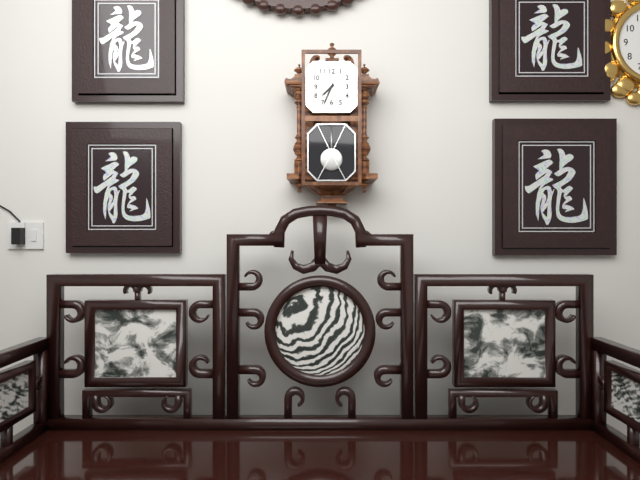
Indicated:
**7:34**
